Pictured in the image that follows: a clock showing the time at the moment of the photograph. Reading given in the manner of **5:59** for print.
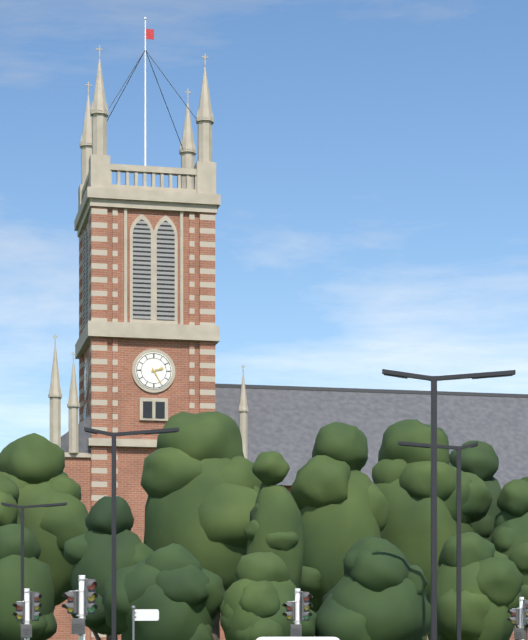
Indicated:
**2:25**
